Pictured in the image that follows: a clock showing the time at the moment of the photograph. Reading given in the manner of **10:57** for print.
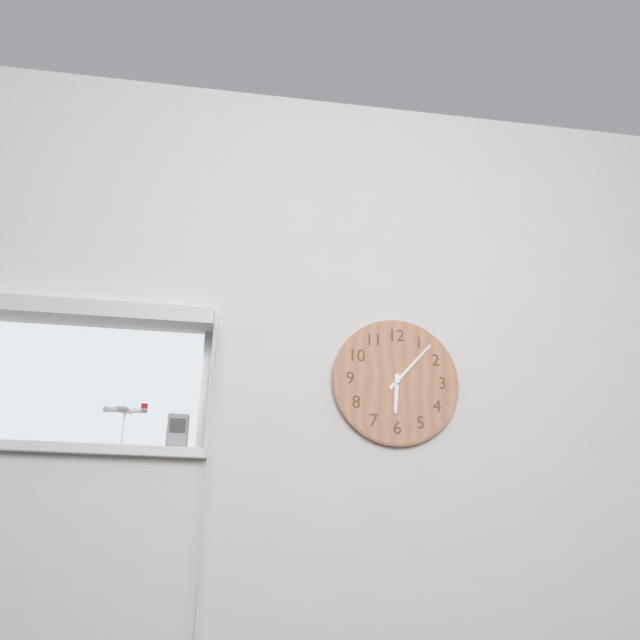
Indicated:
**6:07**
